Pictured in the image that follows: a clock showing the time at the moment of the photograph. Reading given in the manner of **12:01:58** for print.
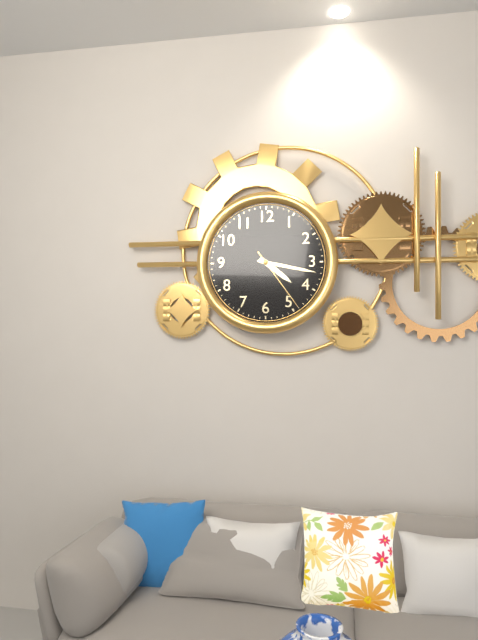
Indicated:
**4:17:24**
